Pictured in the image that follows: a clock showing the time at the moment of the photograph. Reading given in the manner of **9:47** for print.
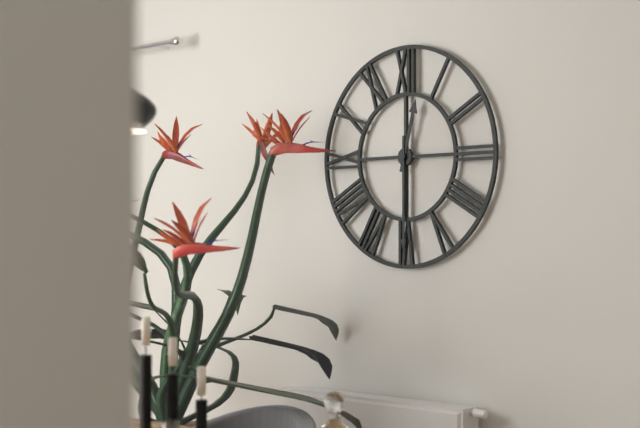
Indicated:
**12:30**
